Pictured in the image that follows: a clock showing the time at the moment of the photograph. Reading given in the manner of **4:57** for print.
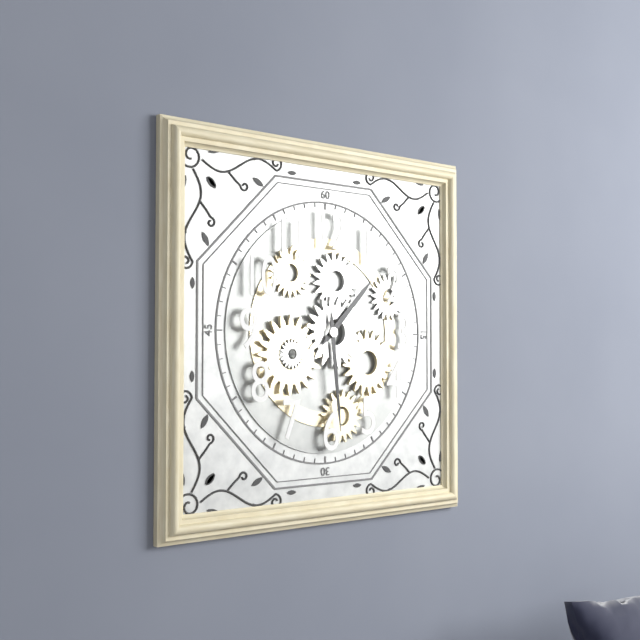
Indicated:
**1:29**
